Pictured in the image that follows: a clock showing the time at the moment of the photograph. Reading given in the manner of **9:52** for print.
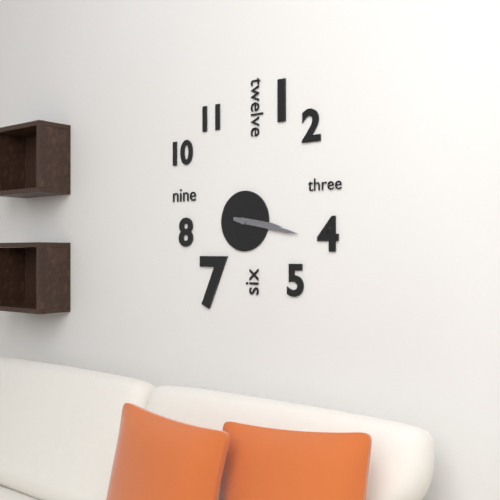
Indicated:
**3:17**
